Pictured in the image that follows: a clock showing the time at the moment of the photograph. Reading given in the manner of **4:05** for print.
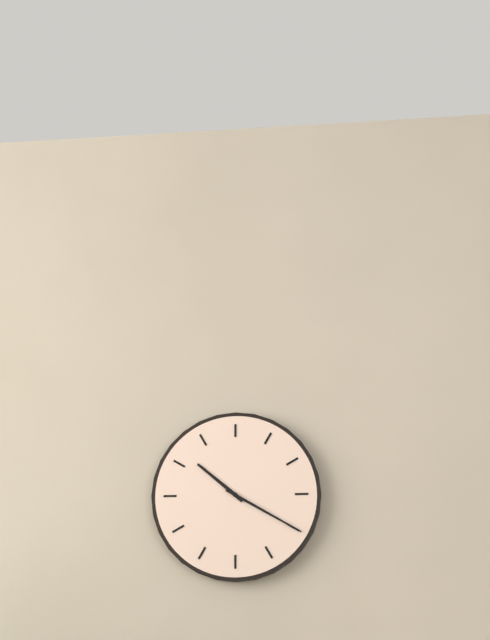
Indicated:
**10:20**
